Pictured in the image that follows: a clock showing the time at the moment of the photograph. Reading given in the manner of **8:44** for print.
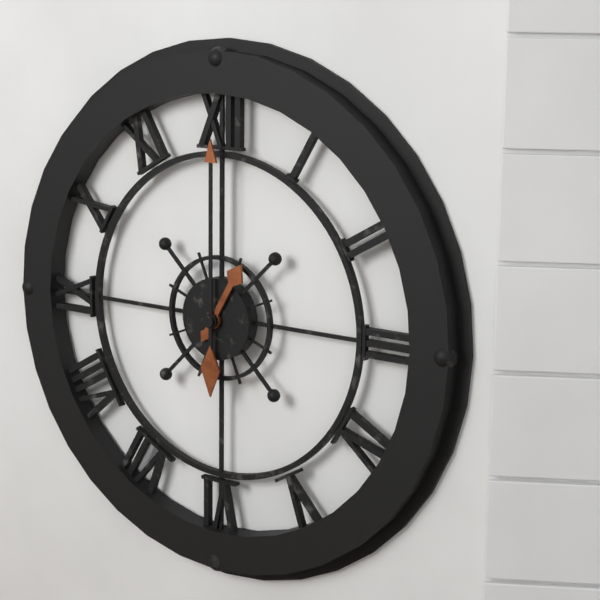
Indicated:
**1:00**
